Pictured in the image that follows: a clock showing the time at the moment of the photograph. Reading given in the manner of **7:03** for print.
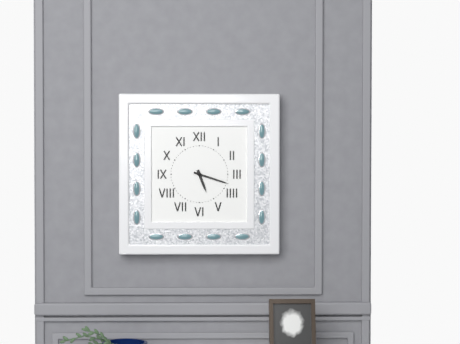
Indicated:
**5:18**
